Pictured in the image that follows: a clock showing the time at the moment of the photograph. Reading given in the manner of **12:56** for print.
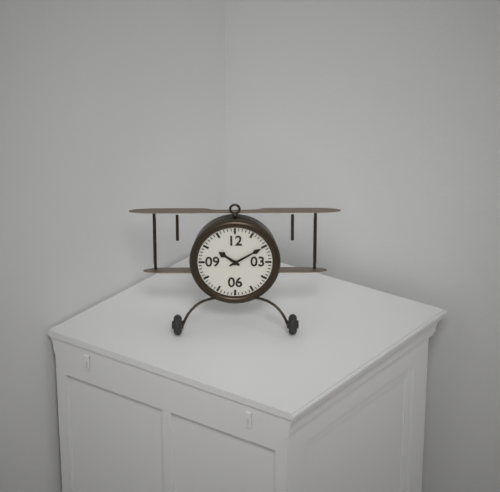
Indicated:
**10:10**
